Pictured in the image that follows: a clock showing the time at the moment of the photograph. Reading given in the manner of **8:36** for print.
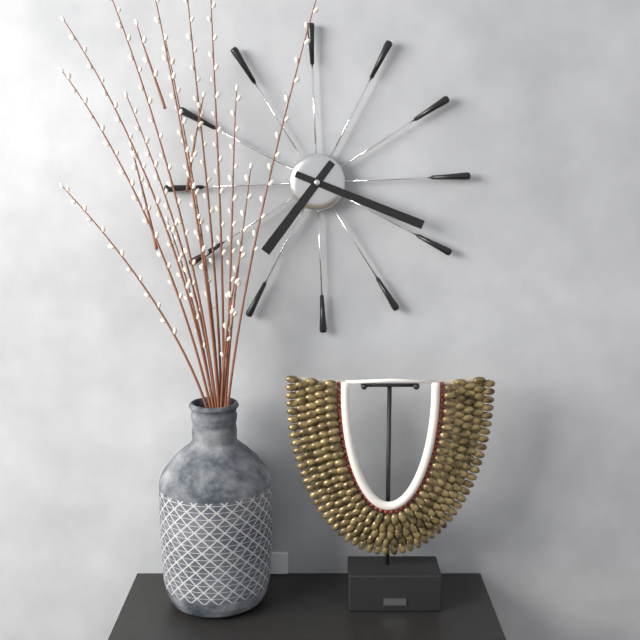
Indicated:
**7:19**
